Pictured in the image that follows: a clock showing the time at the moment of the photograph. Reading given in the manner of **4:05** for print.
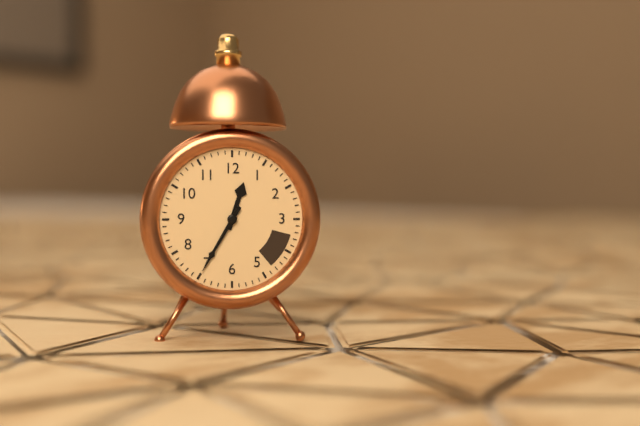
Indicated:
**12:35**
